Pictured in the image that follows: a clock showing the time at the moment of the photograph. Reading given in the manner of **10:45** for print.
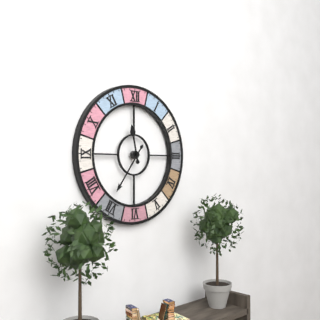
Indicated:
**11:36**
